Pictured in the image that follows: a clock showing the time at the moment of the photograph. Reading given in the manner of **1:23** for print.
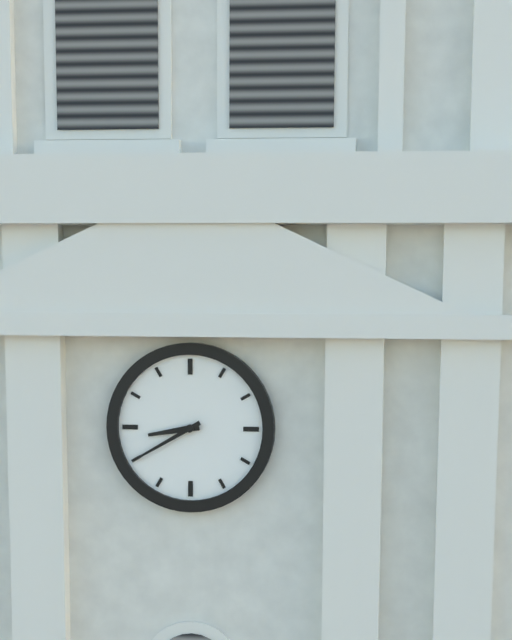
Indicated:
**8:40**
